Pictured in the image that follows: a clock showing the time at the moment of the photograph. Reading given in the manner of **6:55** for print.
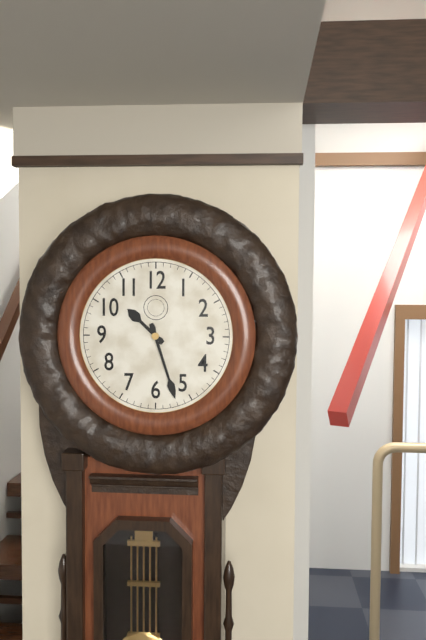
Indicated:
**10:27**
